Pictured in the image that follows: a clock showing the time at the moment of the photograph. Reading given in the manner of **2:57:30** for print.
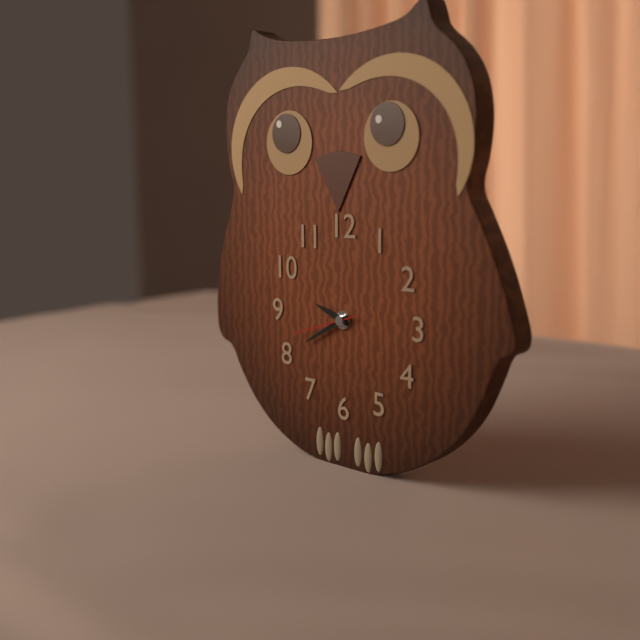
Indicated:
**9:40:42**
